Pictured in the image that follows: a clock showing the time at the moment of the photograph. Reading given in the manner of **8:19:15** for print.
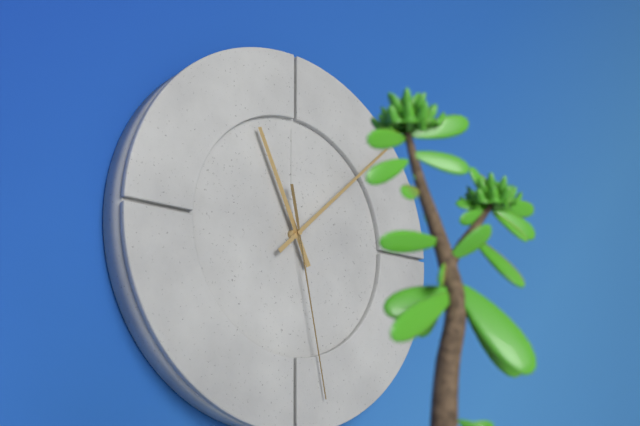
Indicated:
**11:08:28**
